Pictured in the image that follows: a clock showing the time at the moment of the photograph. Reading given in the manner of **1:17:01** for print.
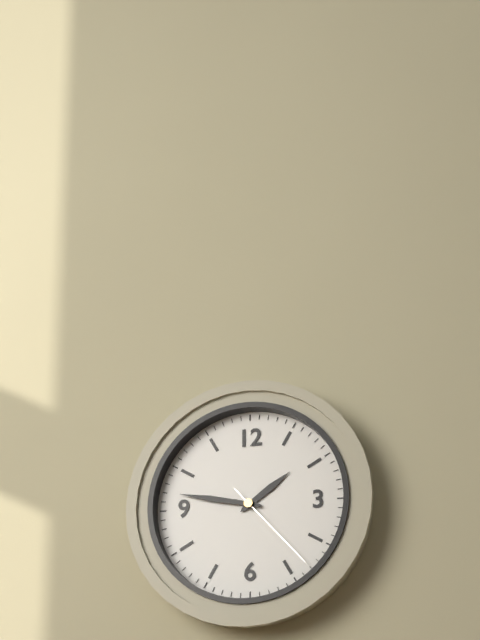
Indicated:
**1:47:23**
